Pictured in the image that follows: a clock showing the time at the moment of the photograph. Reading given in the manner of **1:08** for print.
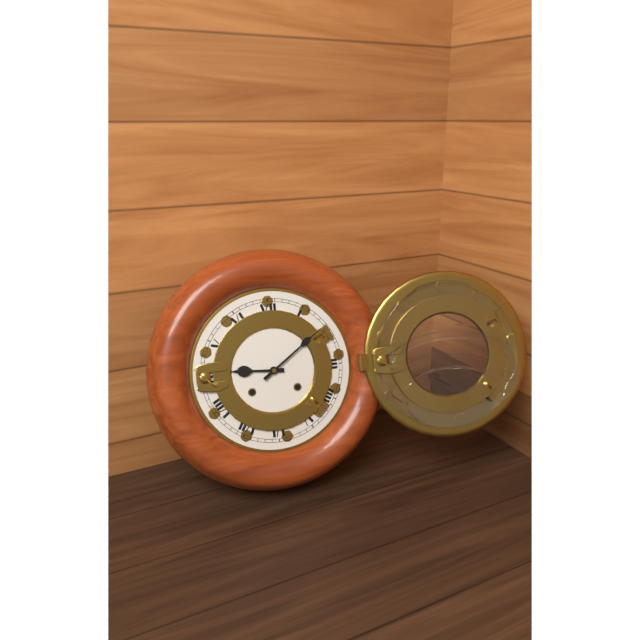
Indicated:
**9:09**
